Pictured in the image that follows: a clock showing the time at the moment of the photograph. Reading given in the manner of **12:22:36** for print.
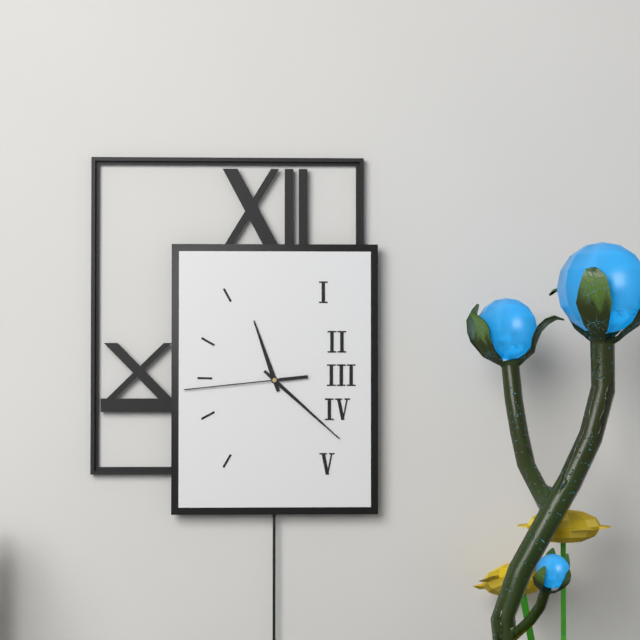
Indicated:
**11:22:44**
